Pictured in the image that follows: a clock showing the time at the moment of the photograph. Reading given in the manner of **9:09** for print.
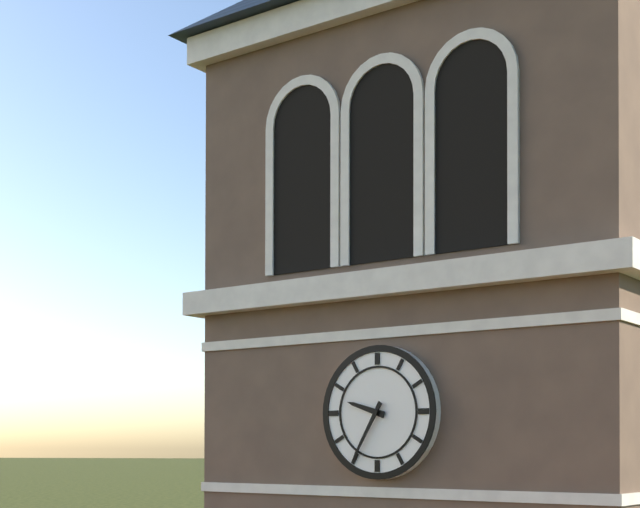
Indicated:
**9:35**
